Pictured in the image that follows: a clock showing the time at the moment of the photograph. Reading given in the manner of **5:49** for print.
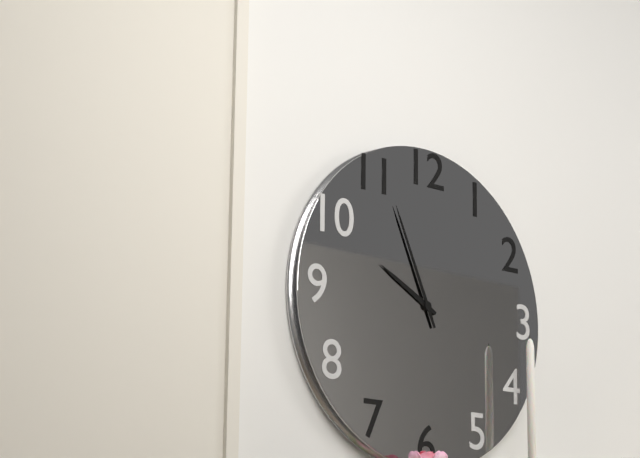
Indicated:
**9:56**
